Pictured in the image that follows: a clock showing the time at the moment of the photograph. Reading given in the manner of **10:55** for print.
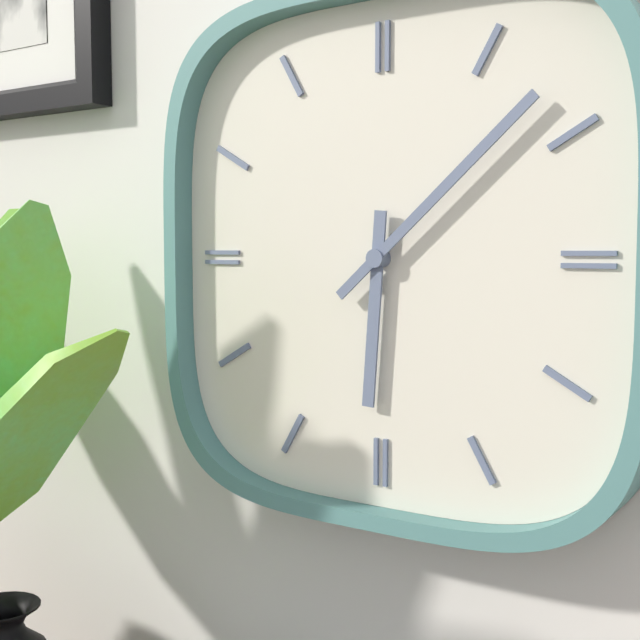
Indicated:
**6:08**
